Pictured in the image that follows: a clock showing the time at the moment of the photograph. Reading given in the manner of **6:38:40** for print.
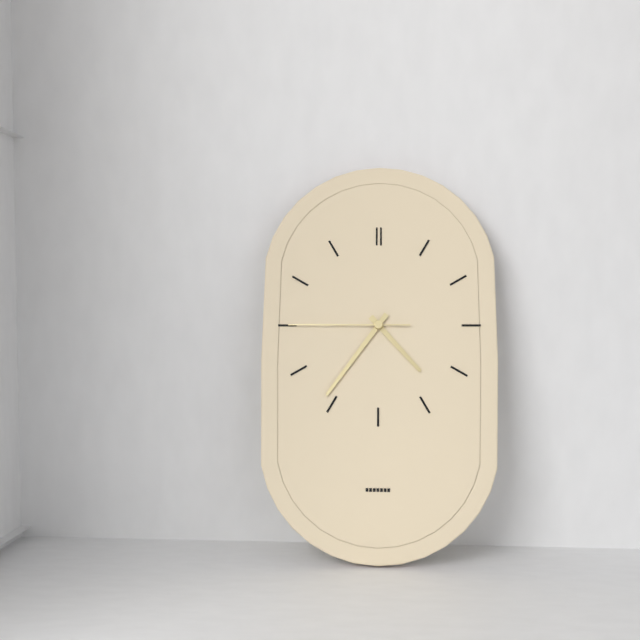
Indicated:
**4:36:45**
